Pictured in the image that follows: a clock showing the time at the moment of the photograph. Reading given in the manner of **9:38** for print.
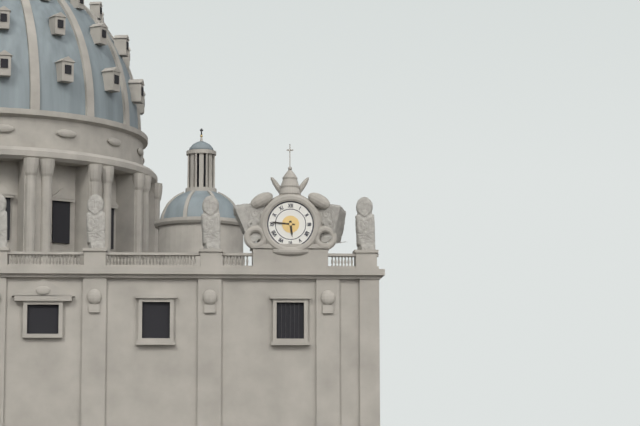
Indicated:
**5:46**
